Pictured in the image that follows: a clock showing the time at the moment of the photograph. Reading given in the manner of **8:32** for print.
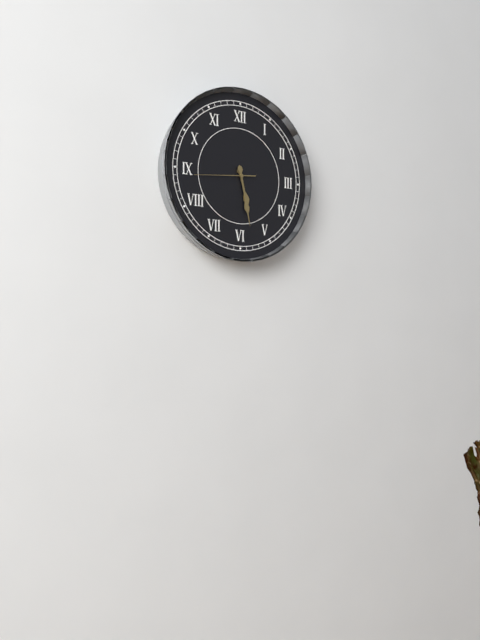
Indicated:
**5:28**
